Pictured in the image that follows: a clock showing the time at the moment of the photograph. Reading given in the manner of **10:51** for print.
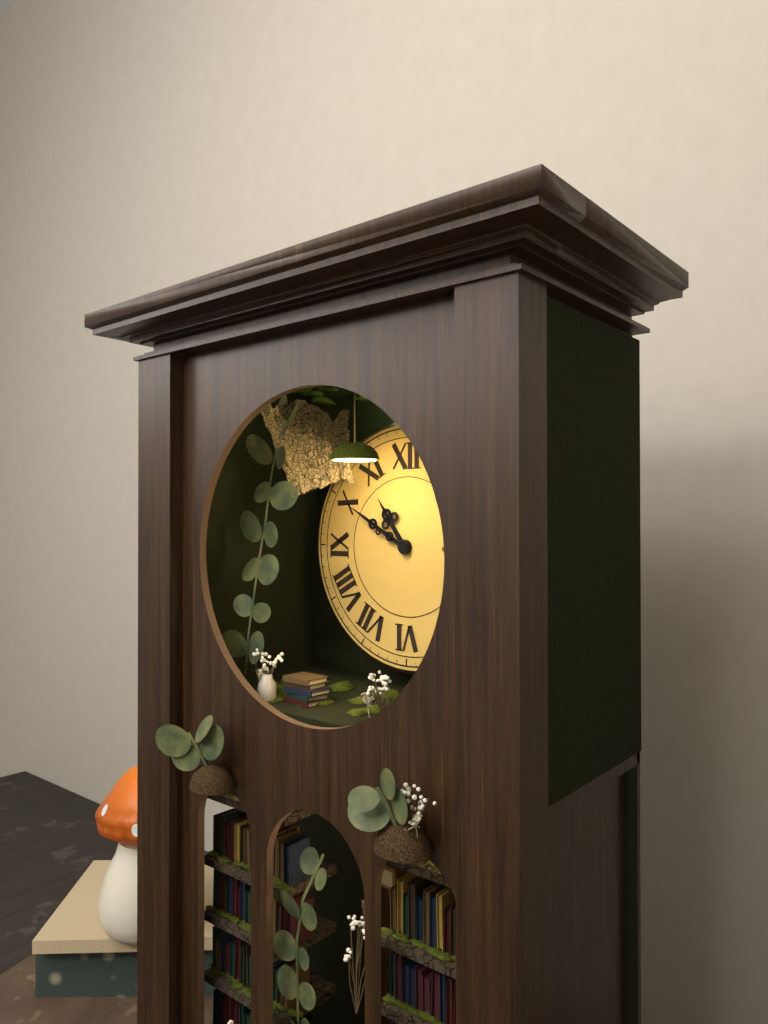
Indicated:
**10:50**
